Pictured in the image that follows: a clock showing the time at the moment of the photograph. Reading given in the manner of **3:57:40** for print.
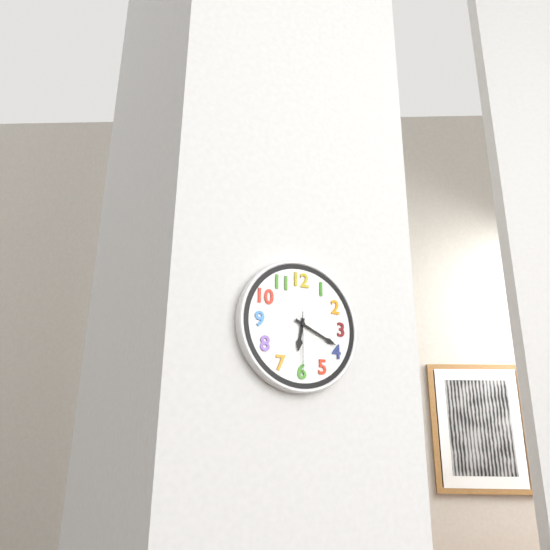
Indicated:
**6:19:30**
